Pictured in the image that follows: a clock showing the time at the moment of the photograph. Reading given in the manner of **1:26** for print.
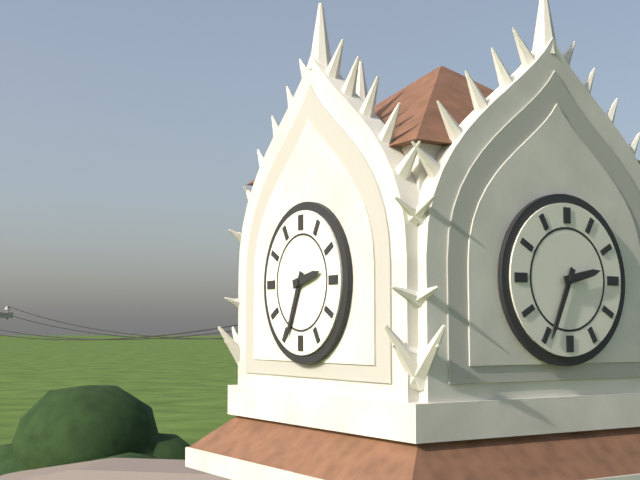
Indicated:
**2:34**
